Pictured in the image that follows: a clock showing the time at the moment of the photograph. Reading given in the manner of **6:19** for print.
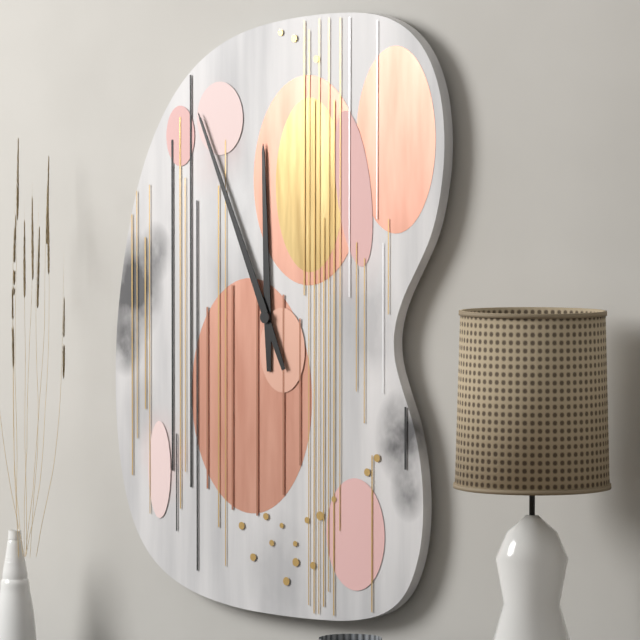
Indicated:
**11:56**
